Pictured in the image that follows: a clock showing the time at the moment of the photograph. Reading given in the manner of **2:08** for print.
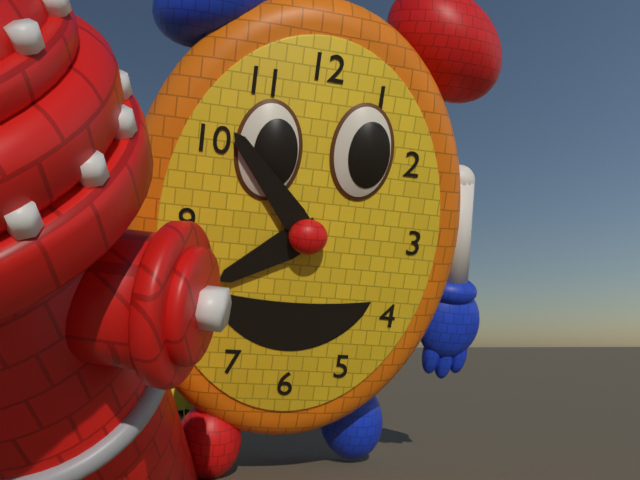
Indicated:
**7:53**
